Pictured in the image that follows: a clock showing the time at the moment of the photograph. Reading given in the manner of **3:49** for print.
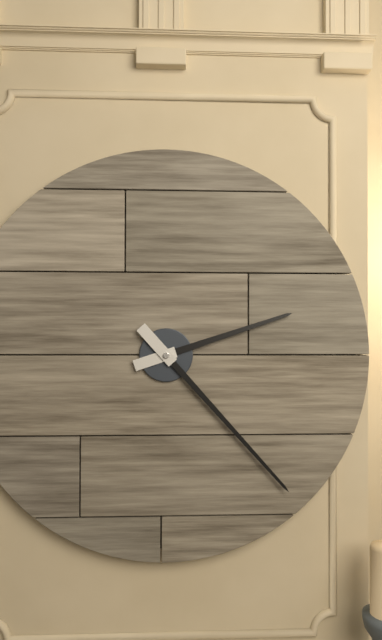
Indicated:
**2:23**
